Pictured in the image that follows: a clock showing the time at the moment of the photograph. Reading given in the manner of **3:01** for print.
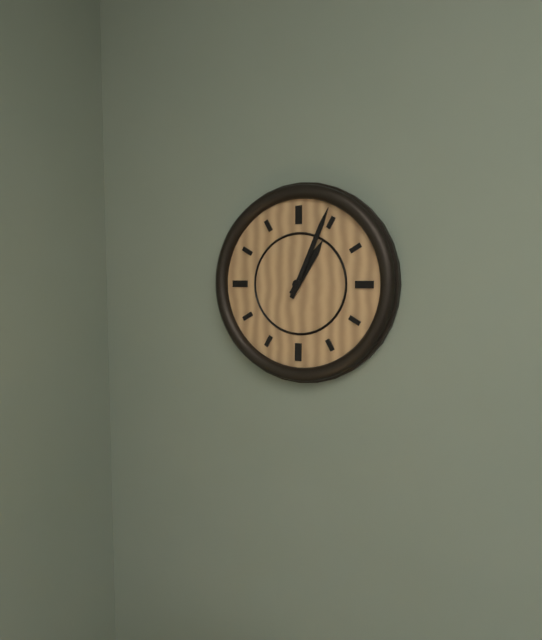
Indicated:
**1:04**
